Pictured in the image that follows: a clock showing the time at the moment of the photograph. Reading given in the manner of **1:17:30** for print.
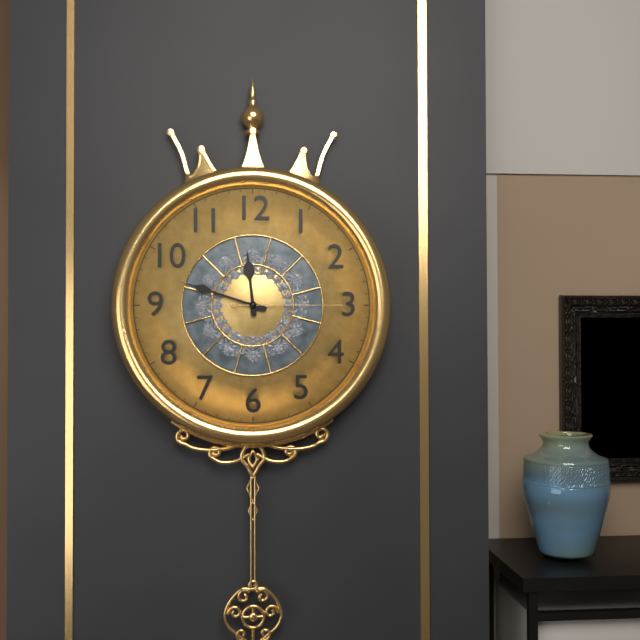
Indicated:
**11:48:15**
